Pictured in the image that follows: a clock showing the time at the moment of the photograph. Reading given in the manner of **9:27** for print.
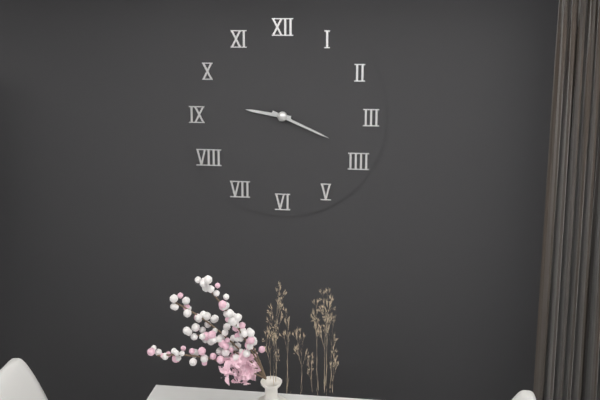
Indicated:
**9:19**
